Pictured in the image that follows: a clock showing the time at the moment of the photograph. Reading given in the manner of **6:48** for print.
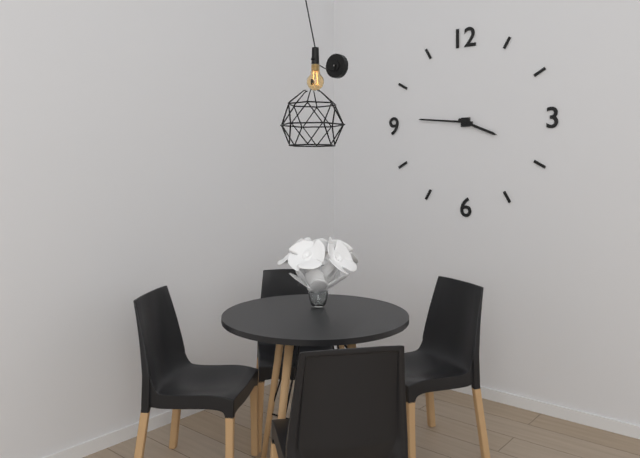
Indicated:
**3:46**
